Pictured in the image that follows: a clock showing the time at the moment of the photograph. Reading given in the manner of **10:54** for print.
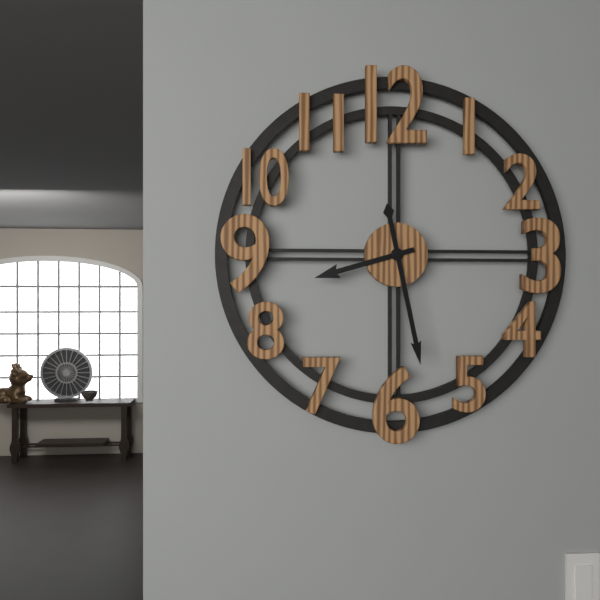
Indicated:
**8:28**
